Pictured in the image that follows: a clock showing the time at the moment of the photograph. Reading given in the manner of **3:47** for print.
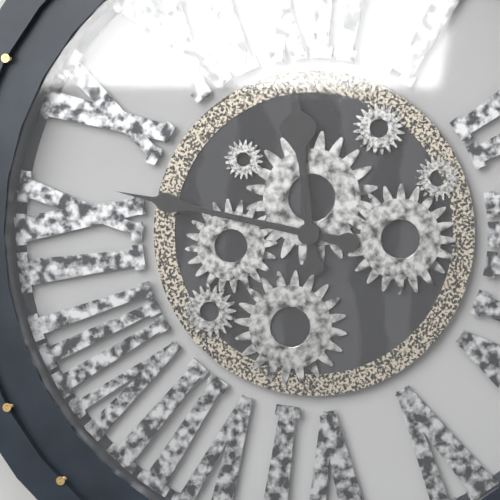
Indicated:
**11:47**
